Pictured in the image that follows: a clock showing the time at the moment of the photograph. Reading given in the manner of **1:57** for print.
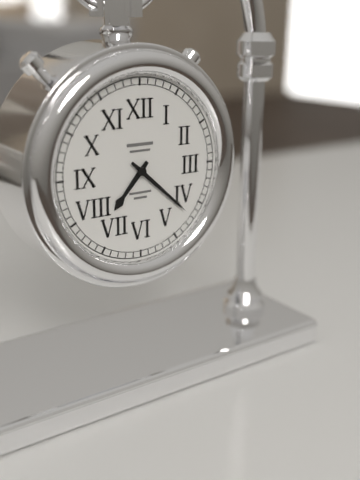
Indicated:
**7:22**
